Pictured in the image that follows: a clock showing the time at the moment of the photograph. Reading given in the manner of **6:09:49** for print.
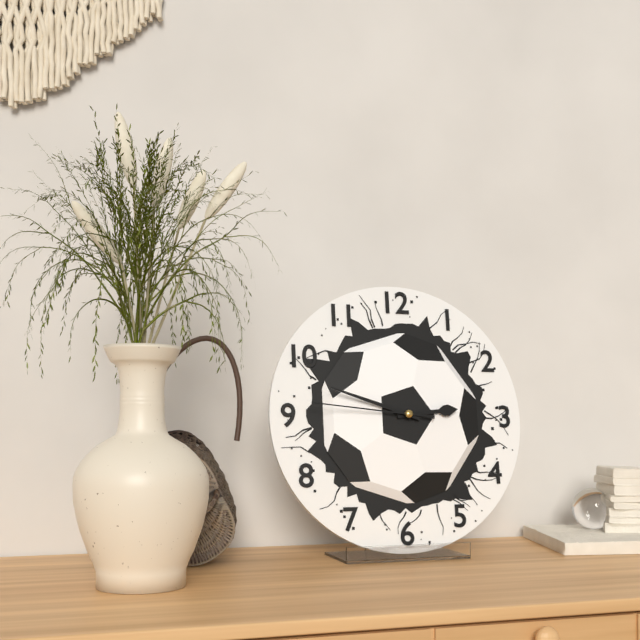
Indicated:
**2:48:46**
